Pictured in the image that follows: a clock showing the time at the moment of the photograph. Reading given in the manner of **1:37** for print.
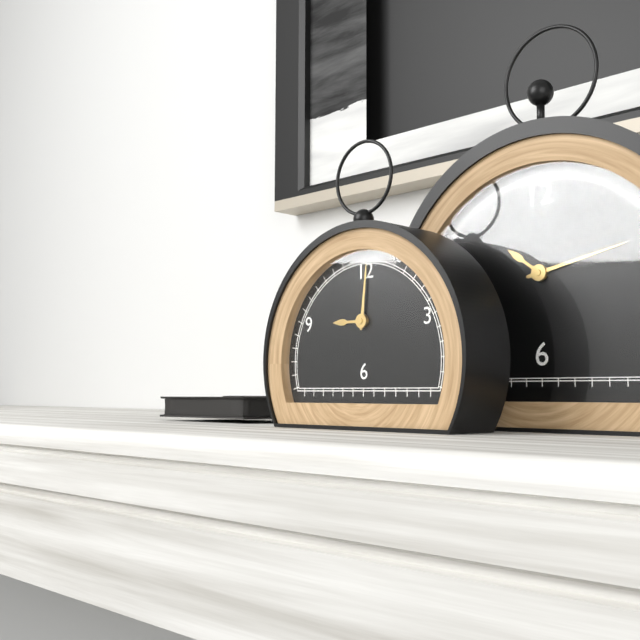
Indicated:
**9:01**
